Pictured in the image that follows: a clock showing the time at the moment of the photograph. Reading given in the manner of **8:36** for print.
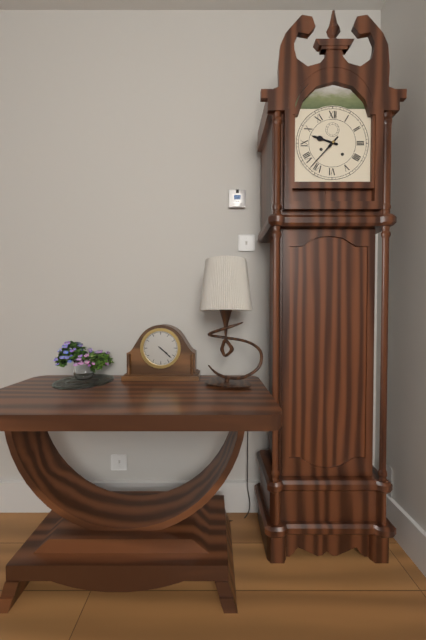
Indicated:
**9:37**
